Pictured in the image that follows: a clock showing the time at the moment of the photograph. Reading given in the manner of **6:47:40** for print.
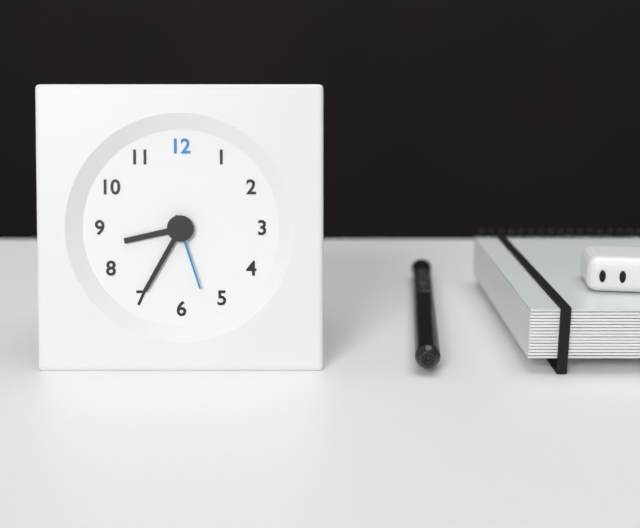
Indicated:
**8:35:27**
